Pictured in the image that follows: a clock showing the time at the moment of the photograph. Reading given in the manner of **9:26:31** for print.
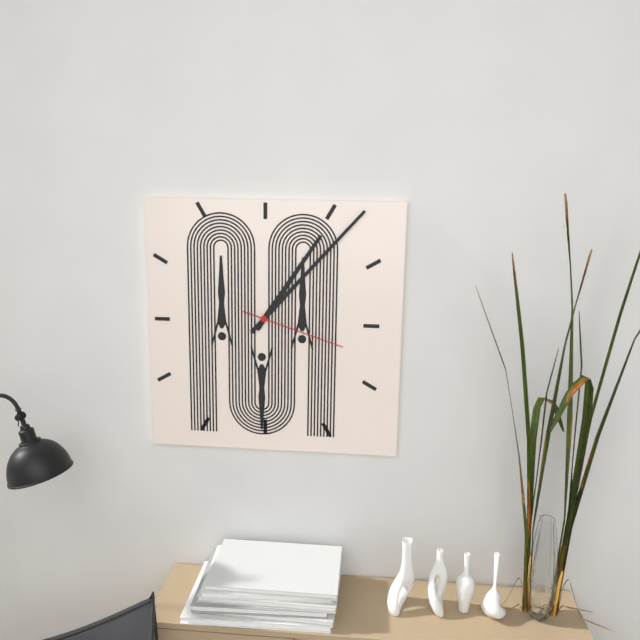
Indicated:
**1:07:18**
